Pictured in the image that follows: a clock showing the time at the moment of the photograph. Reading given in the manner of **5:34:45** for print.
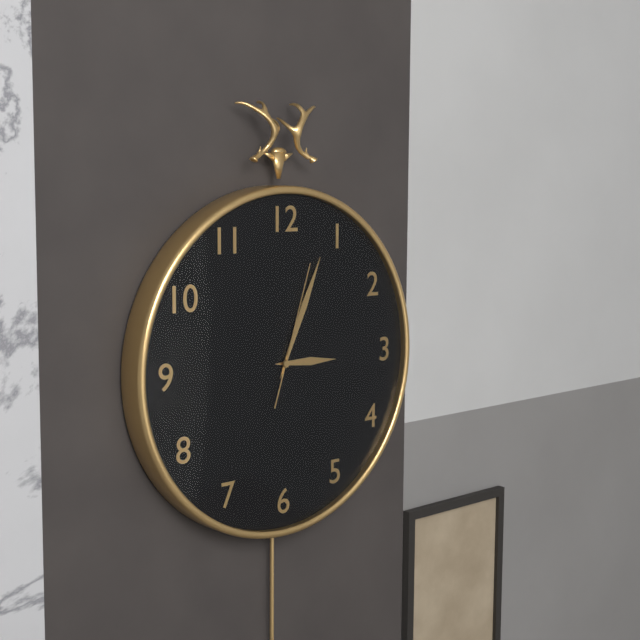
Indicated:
**3:04:03**
